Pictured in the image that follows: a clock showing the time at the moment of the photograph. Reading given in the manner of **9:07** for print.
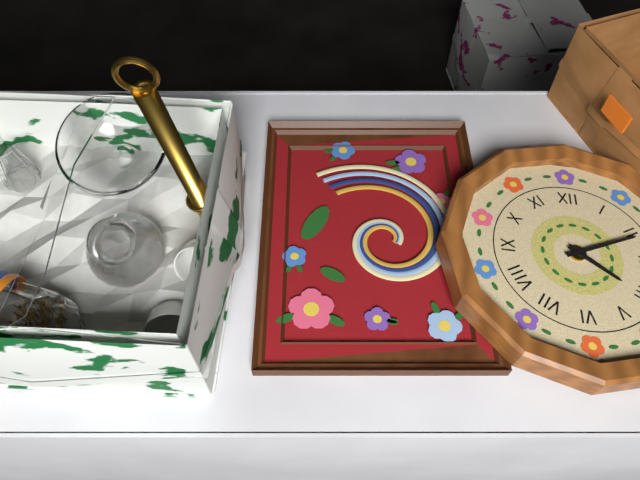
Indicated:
**4:11**
